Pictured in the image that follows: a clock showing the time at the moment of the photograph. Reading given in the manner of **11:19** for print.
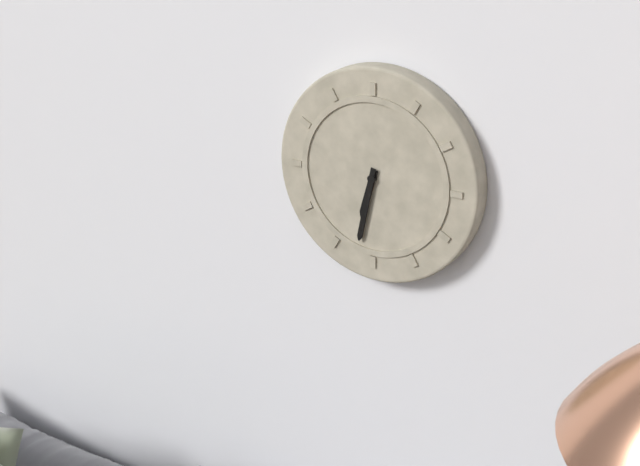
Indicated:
**6:32**
